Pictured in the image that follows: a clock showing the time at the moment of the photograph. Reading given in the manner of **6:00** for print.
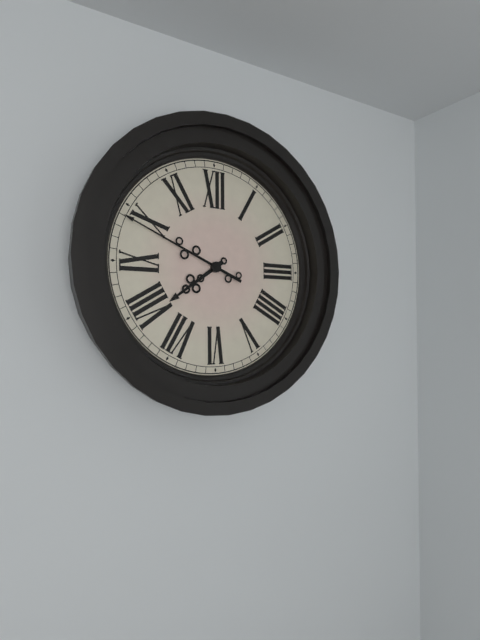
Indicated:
**7:49**
